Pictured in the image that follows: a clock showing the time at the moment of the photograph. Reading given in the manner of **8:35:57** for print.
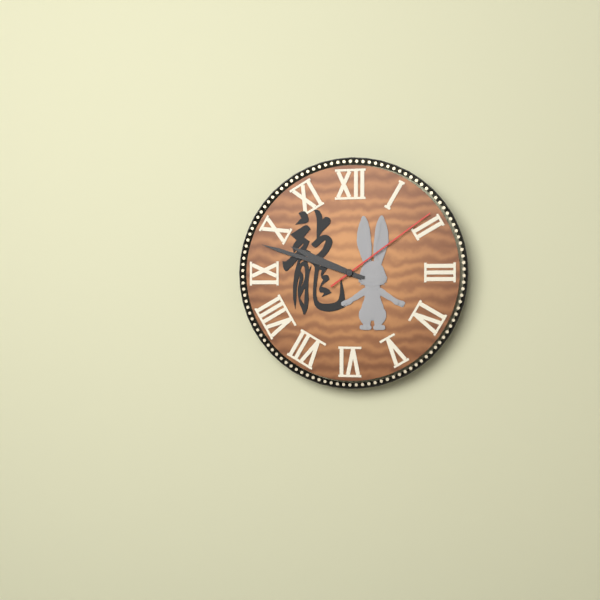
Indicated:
**9:48:09**
